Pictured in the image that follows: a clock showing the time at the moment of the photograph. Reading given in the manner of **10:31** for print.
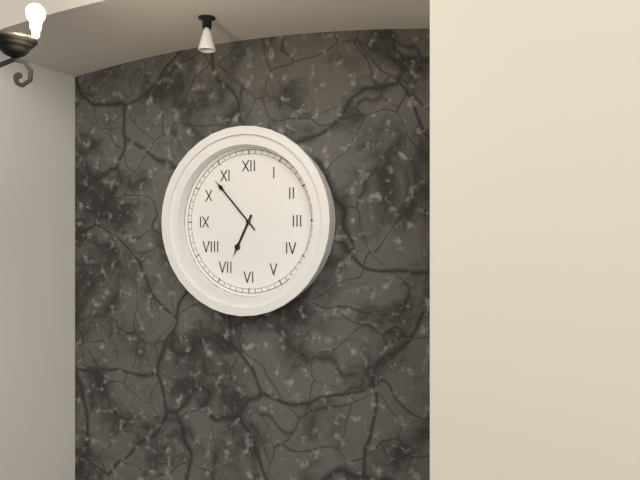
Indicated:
**6:53**
